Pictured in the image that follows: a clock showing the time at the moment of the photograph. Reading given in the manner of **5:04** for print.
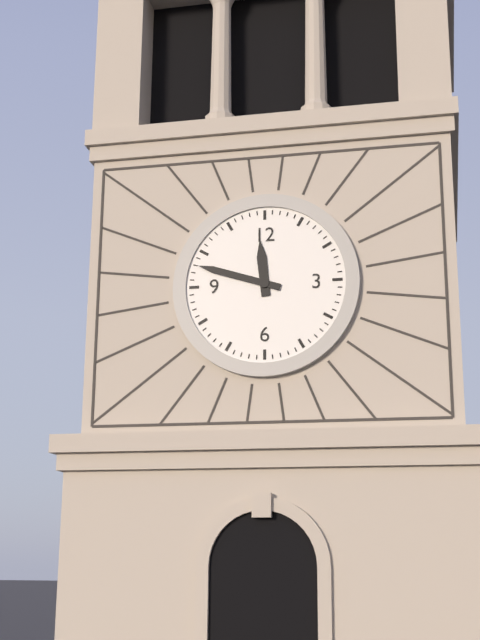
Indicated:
**11:48**
